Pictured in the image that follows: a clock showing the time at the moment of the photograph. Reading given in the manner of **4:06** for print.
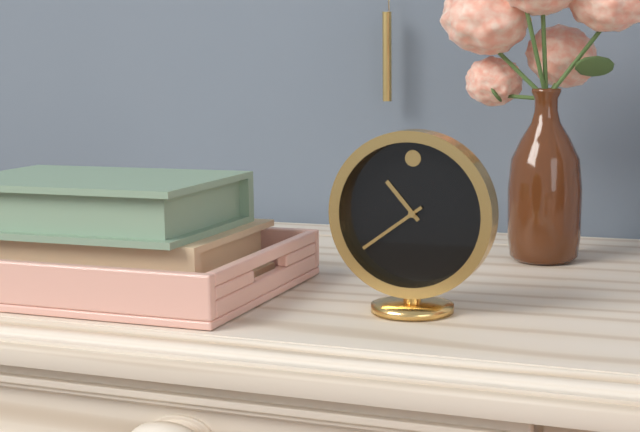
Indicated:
**10:39**
